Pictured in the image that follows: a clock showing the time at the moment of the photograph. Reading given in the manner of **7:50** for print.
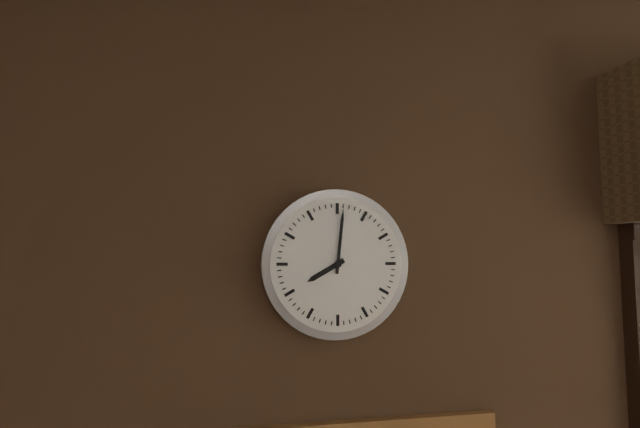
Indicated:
**8:01**
